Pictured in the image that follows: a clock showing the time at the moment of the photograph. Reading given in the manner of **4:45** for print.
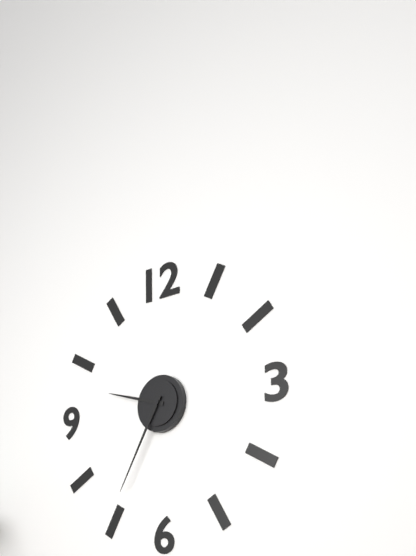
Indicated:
**9:35**
